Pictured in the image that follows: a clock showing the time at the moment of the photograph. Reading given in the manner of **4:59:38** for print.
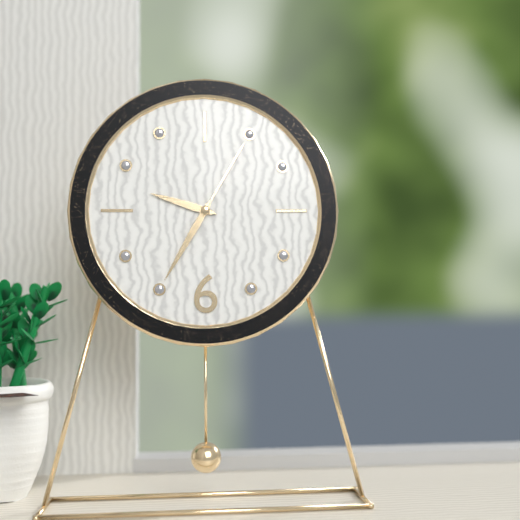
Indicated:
**9:35:05**
